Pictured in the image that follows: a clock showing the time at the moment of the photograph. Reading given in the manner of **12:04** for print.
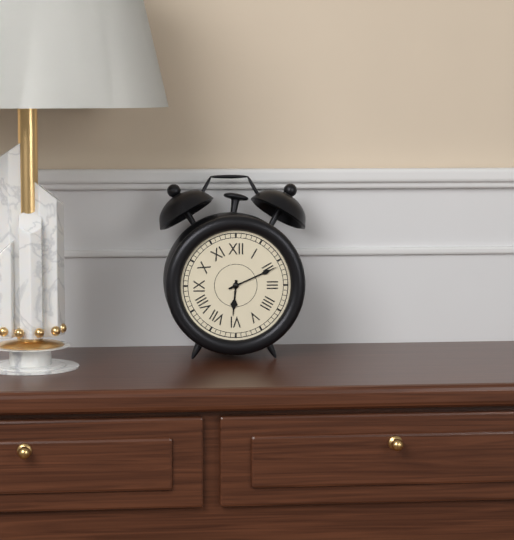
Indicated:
**6:11**
